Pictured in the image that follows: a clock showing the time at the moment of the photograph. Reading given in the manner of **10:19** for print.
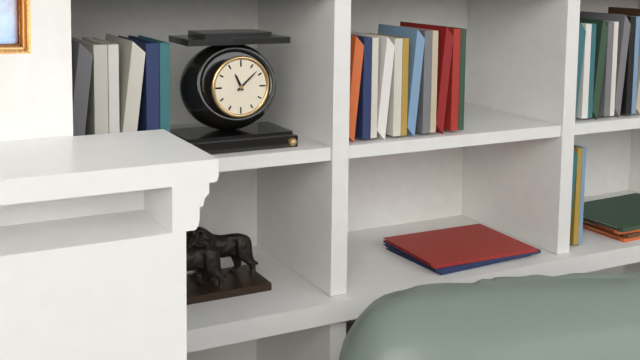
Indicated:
**11:08**
